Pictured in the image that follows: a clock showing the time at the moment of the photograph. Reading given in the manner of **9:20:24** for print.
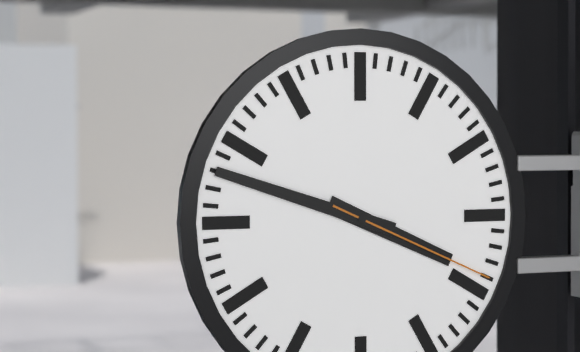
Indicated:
**3:48:19**
